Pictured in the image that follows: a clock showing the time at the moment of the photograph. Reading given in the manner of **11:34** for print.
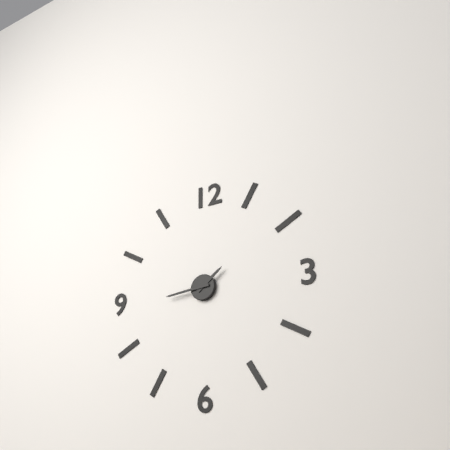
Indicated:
**1:44**
